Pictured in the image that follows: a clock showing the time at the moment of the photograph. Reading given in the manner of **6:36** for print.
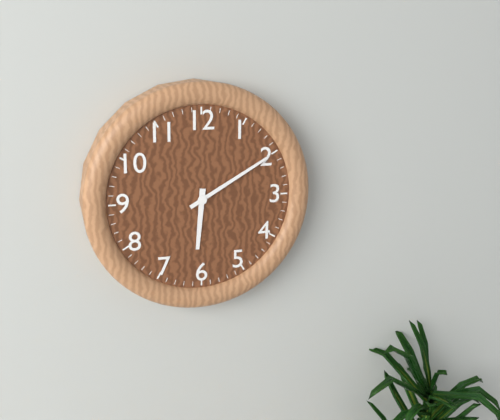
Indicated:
**6:10**
